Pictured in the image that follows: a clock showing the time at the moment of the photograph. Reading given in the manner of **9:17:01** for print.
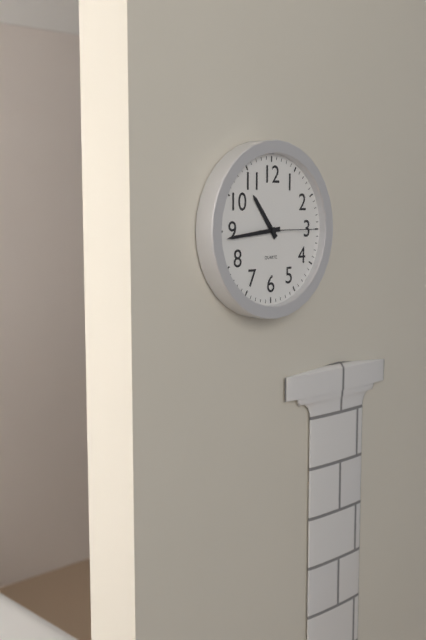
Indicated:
**10:44:15**
